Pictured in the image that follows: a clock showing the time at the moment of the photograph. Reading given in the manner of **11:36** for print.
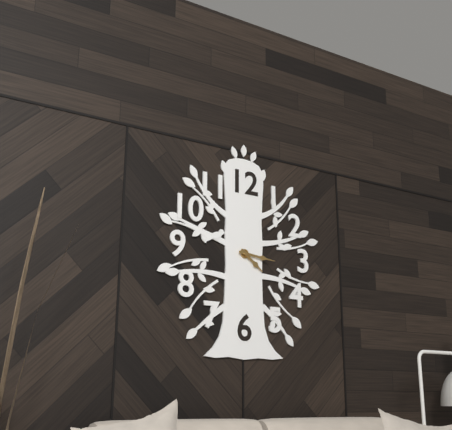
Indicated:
**4:16**
